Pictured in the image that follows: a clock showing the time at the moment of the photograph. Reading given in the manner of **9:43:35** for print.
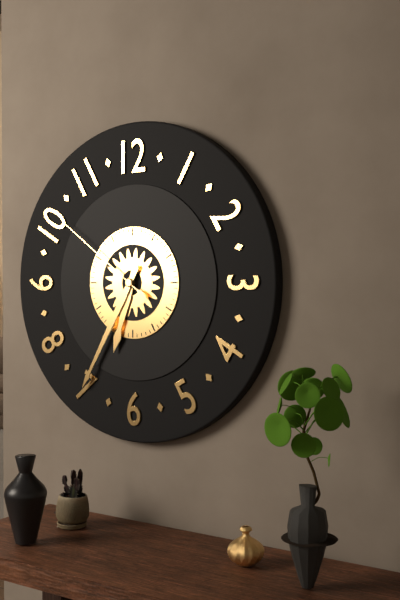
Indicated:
**6:35:51**
